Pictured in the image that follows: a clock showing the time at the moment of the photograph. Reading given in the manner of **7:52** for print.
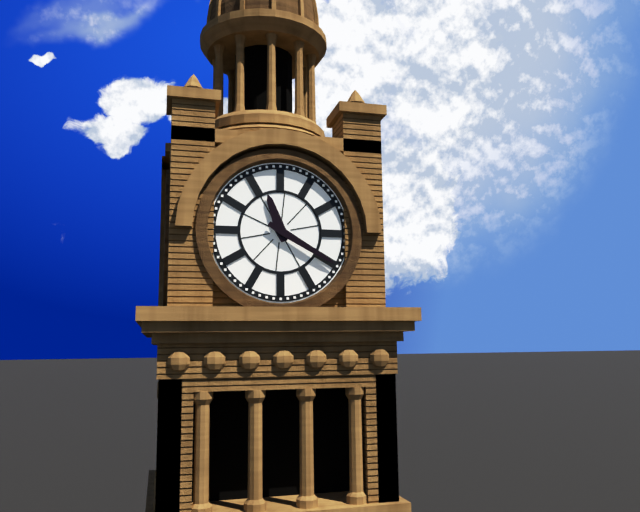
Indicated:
**11:20**
